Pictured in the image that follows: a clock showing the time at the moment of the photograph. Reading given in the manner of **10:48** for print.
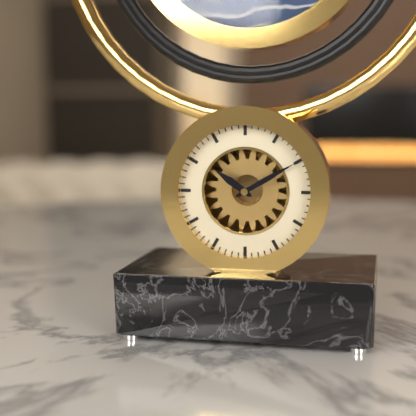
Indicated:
**10:10**
